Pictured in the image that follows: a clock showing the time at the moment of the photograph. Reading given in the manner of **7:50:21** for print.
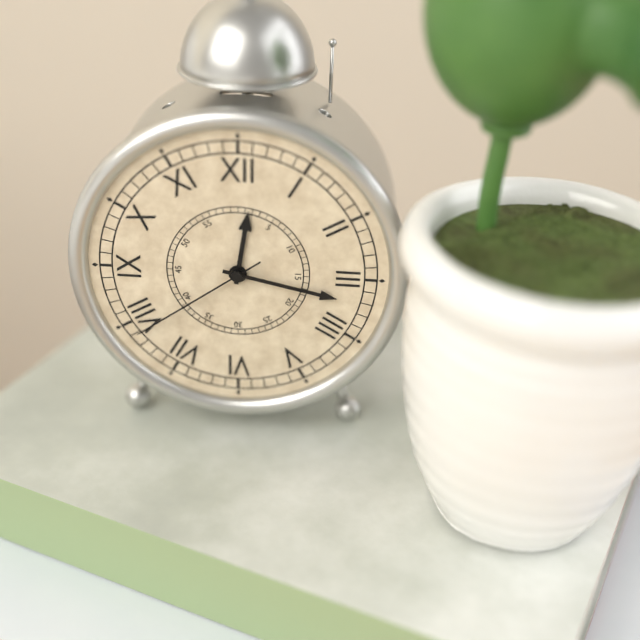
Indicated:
**12:17:39**
